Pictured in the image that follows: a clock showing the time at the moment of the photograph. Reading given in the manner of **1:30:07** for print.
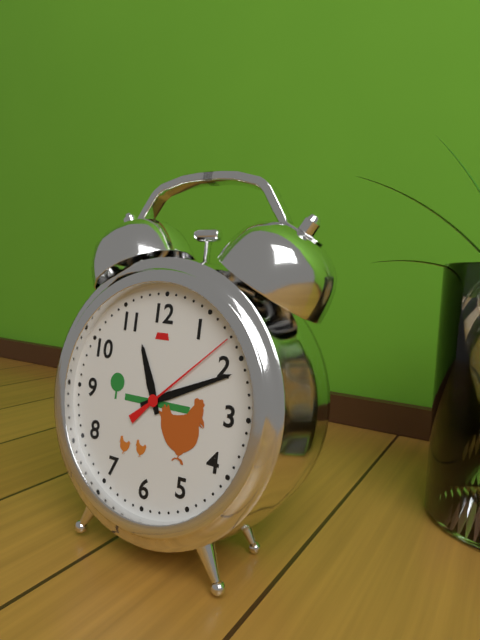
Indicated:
**11:11:08**
